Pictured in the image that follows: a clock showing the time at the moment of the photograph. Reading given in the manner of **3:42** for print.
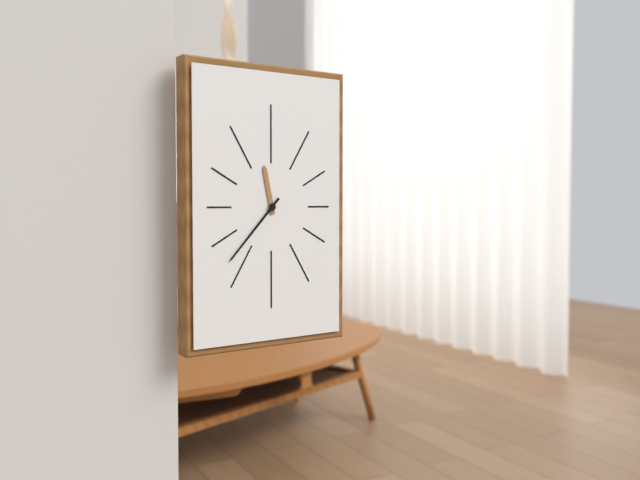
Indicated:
**11:37**
